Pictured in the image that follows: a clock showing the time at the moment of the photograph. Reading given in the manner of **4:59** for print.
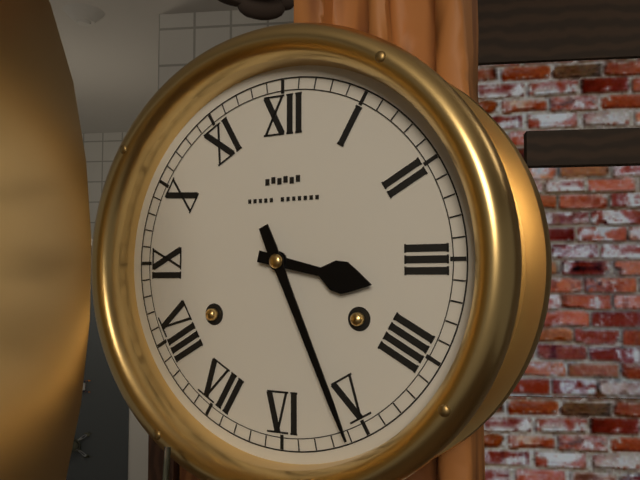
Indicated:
**3:26**
